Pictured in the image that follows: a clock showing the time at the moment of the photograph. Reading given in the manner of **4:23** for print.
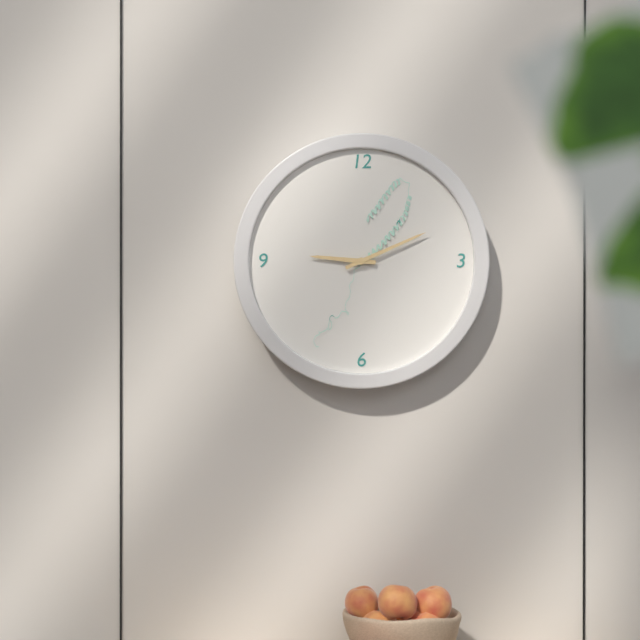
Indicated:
**9:11**
